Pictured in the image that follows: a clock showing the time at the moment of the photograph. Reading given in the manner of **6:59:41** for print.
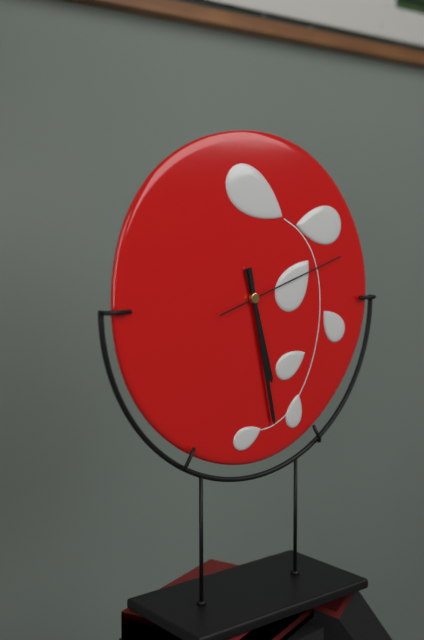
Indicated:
**5:28:12**
